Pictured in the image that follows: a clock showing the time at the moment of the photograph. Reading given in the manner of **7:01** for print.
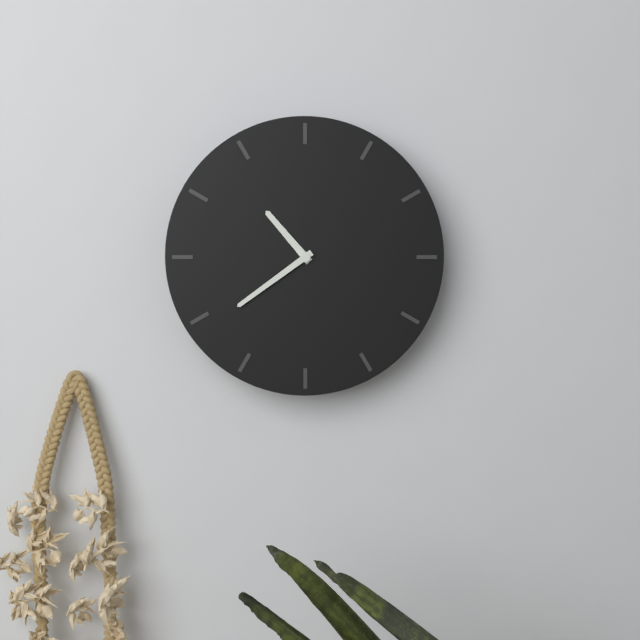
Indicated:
**10:39**
